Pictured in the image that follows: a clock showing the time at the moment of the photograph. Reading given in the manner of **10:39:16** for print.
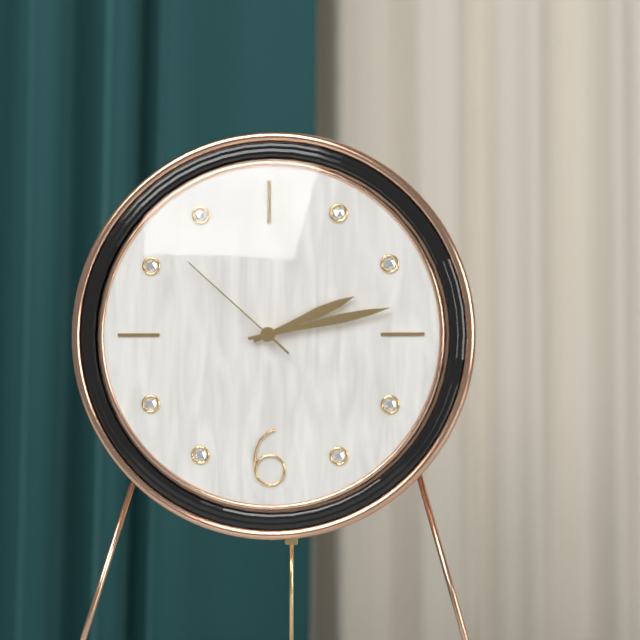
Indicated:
**2:13:52**
